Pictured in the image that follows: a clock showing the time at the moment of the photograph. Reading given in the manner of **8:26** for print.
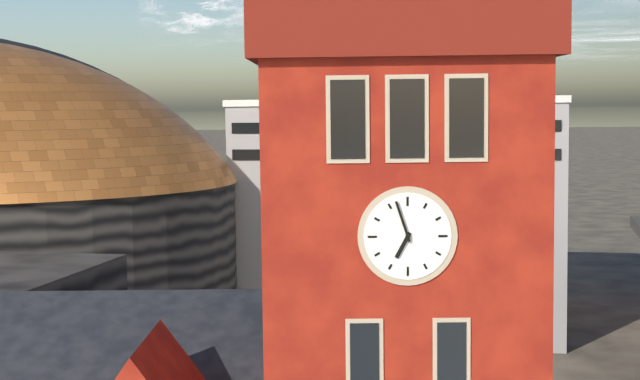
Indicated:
**6:57**
